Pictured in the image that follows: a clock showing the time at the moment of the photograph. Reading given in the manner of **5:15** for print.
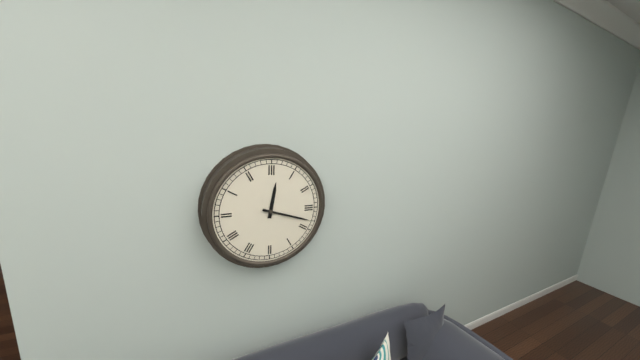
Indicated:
**12:18**
